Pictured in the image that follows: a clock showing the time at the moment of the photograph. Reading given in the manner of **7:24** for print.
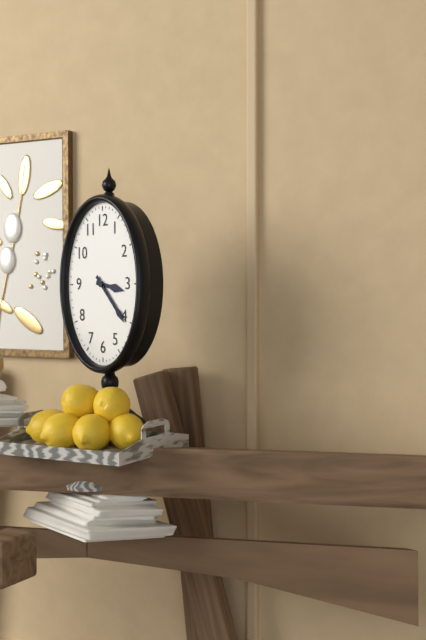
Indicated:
**3:23**
